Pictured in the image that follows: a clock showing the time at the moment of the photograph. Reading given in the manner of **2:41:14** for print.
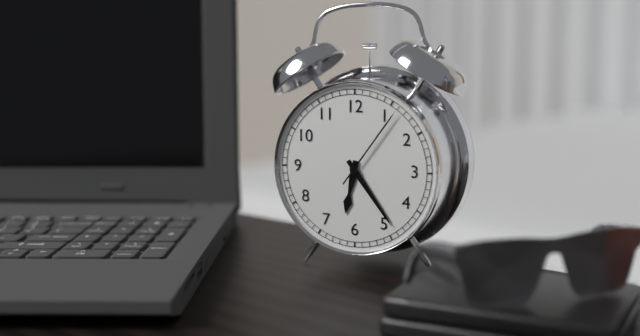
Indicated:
**6:24:06**
